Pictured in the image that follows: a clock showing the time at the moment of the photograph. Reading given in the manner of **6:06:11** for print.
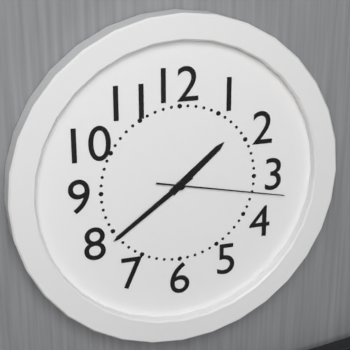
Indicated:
**1:39:17**
